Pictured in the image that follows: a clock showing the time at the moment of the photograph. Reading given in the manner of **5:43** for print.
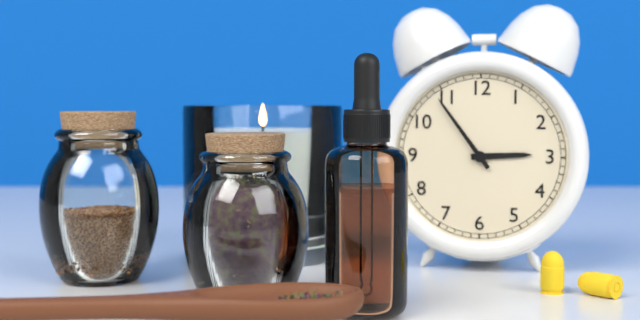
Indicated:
**2:54**
